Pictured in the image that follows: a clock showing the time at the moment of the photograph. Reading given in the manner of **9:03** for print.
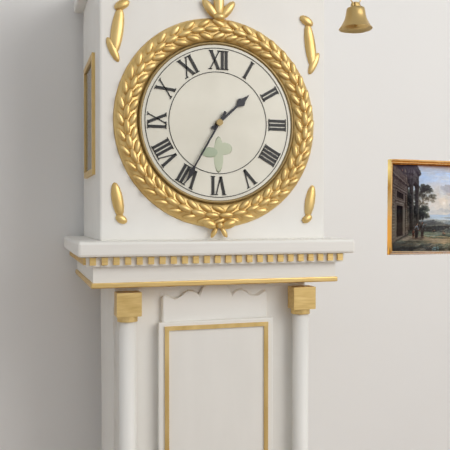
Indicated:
**1:35**
